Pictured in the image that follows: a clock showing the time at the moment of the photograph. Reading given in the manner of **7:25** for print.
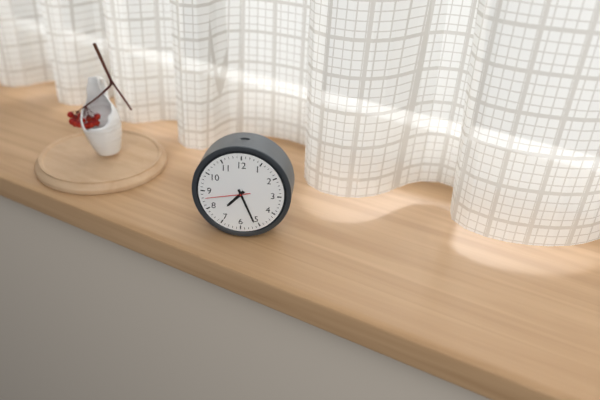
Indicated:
**7:26**
